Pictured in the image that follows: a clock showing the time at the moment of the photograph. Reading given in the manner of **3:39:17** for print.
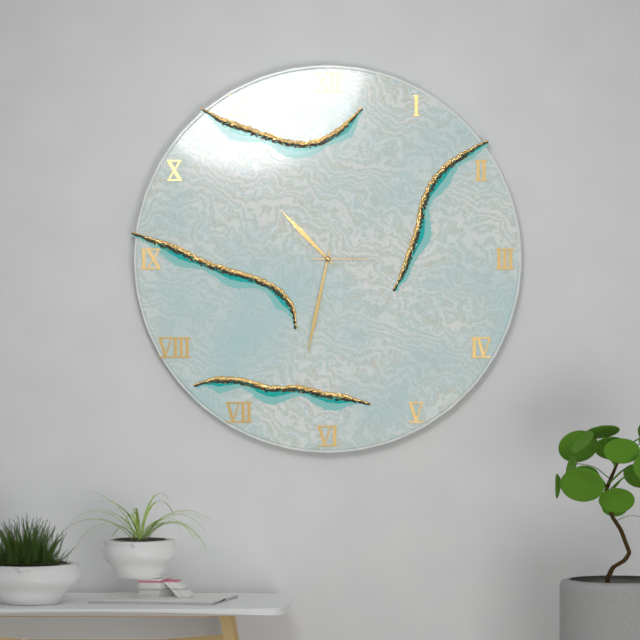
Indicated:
**10:32:15**
